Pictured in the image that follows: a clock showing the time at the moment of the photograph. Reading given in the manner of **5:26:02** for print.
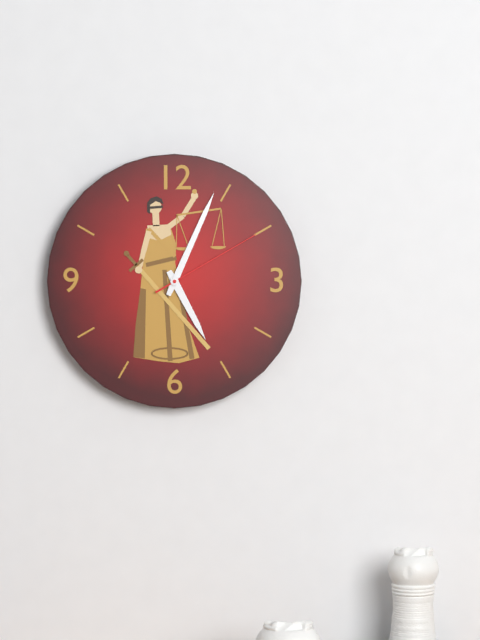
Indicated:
**5:04:10**
